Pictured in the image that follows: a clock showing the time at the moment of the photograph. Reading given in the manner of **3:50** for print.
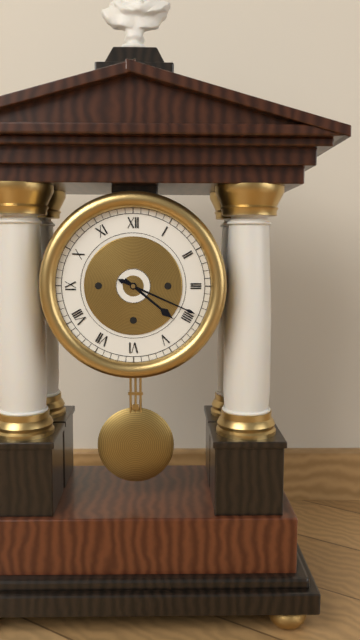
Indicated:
**4:19**
